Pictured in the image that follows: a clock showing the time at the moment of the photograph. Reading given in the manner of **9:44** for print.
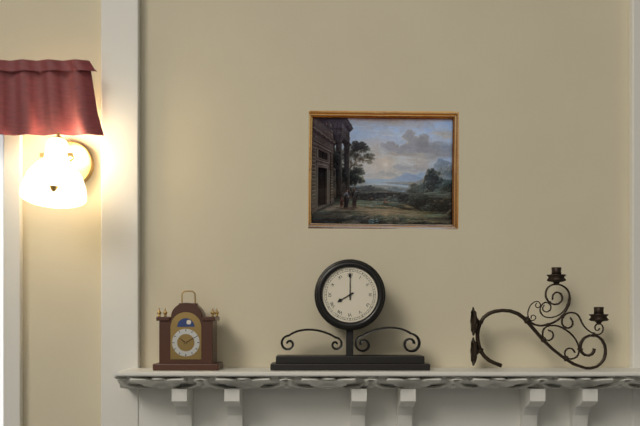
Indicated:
**8:00**
